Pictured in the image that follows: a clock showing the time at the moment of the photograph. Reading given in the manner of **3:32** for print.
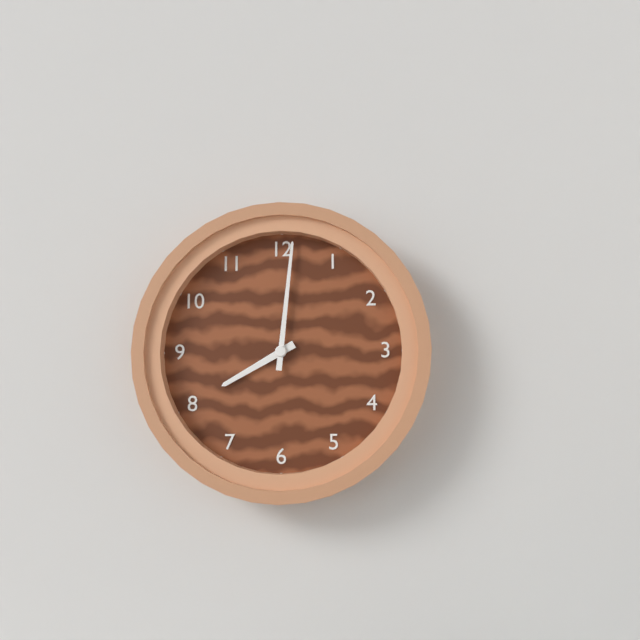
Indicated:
**8:01**
